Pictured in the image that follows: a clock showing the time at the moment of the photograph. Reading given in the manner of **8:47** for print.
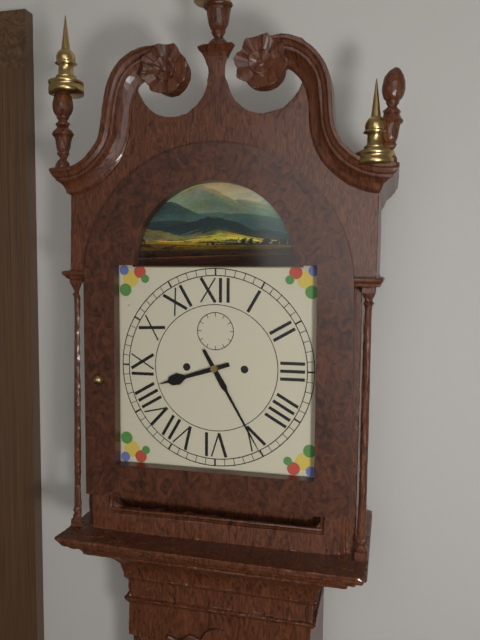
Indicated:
**8:25**
